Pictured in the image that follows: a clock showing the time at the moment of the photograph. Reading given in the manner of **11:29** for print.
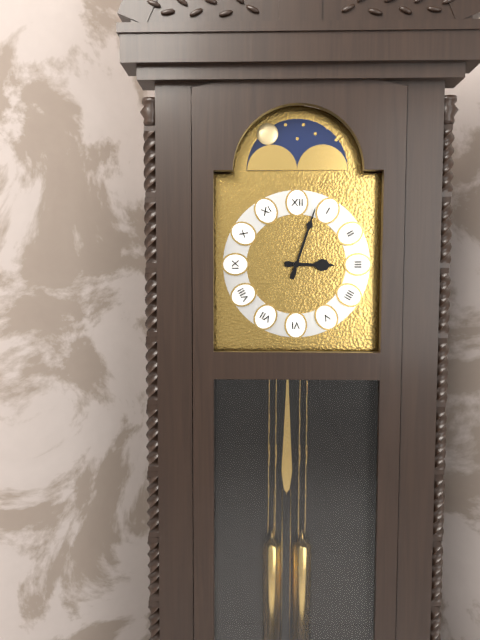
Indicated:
**3:03**
